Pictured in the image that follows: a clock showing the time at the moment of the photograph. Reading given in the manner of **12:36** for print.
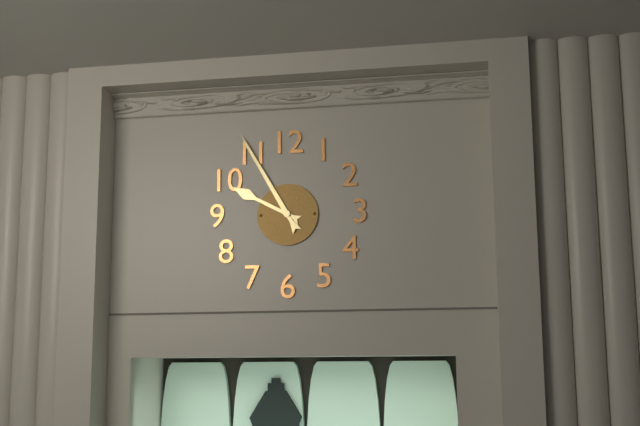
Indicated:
**9:55**
